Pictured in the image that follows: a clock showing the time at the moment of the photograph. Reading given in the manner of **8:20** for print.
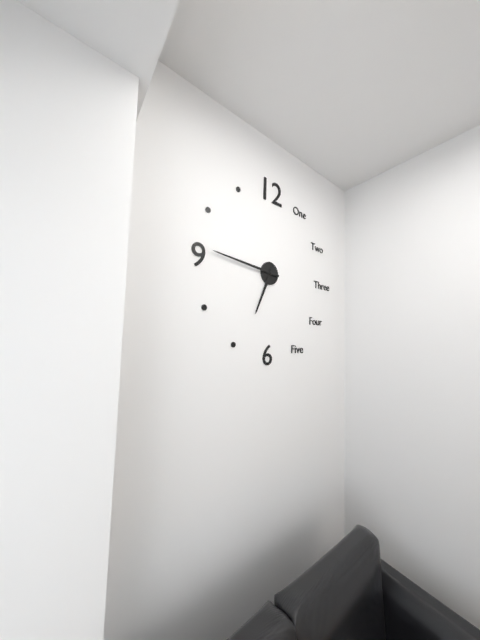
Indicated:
**6:46**
